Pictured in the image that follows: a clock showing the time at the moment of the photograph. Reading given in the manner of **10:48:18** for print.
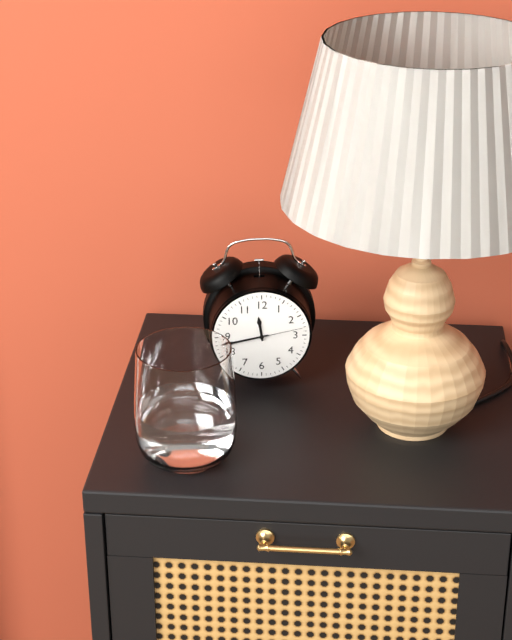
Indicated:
**11:43:13**
